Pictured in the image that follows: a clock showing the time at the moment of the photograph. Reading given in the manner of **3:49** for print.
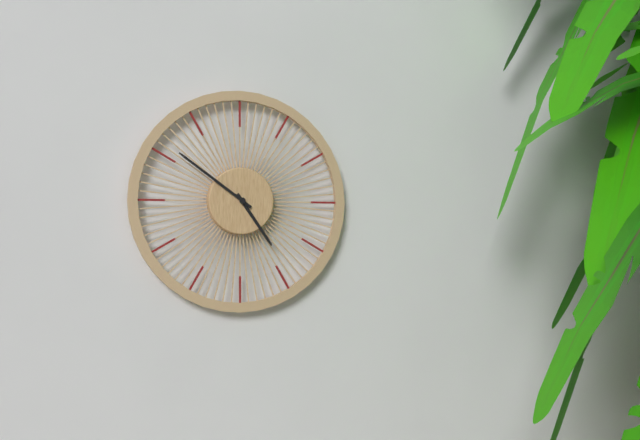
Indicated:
**4:51**
